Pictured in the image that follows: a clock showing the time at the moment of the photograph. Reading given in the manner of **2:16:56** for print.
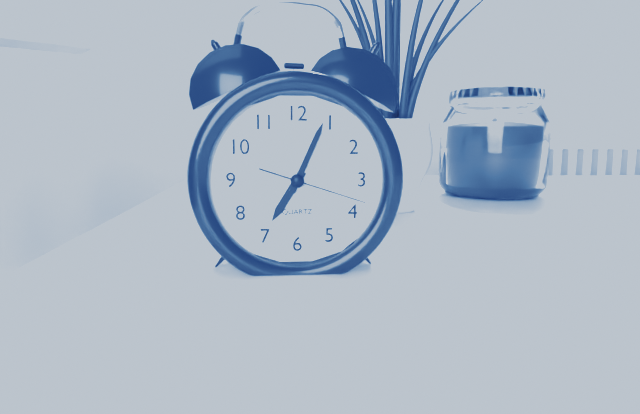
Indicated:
**7:04:18**
